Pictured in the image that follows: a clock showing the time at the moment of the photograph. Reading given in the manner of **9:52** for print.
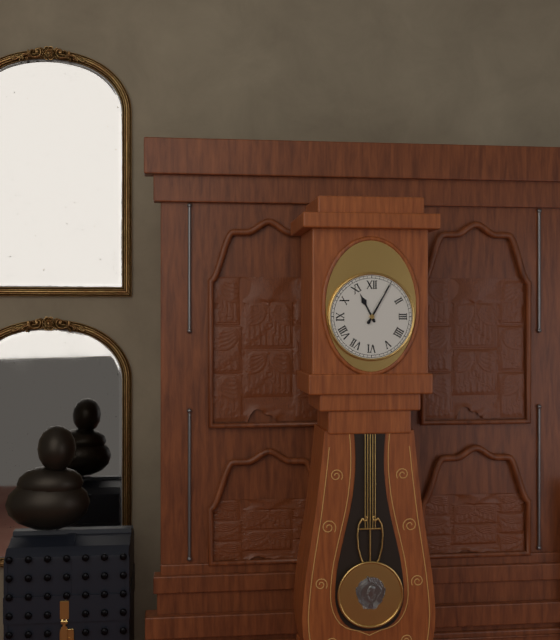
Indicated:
**11:05**
